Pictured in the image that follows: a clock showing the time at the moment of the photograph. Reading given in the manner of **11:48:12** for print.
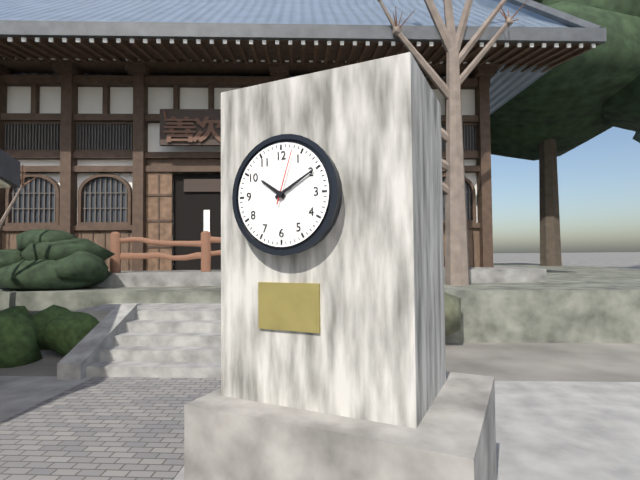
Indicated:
**10:10:03**
